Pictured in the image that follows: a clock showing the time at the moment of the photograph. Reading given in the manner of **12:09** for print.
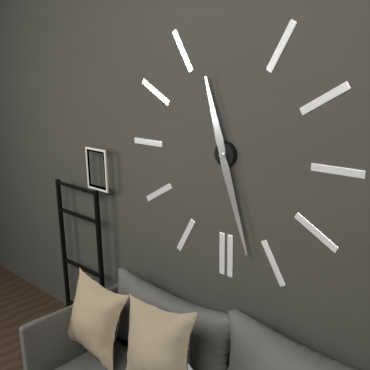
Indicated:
**11:27**
